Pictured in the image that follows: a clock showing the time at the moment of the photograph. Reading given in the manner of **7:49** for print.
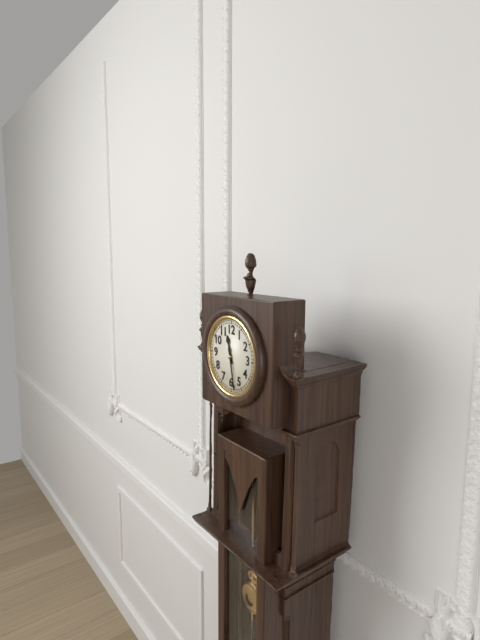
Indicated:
**11:28**
